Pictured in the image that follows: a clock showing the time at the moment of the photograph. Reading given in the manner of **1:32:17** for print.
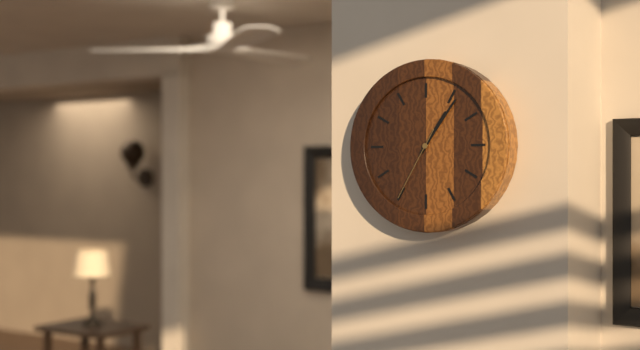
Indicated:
**1:06:35**
